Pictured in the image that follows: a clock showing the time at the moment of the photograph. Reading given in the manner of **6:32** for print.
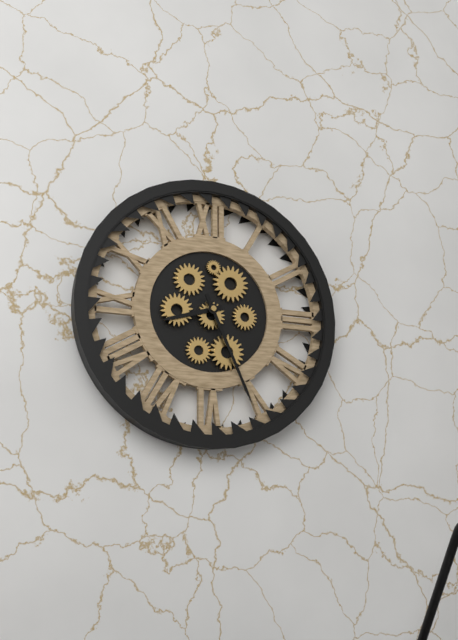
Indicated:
**8:26**
